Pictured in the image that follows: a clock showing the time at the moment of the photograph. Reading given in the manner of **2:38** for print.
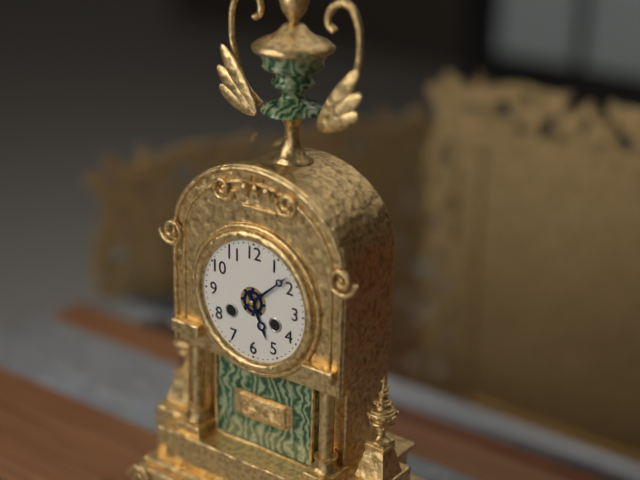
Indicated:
**5:08**
